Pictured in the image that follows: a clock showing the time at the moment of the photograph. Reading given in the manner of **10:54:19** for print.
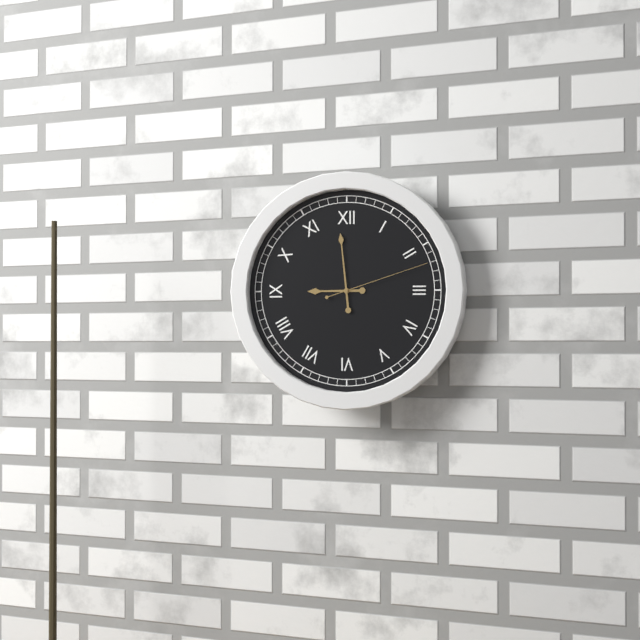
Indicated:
**8:59:12**
